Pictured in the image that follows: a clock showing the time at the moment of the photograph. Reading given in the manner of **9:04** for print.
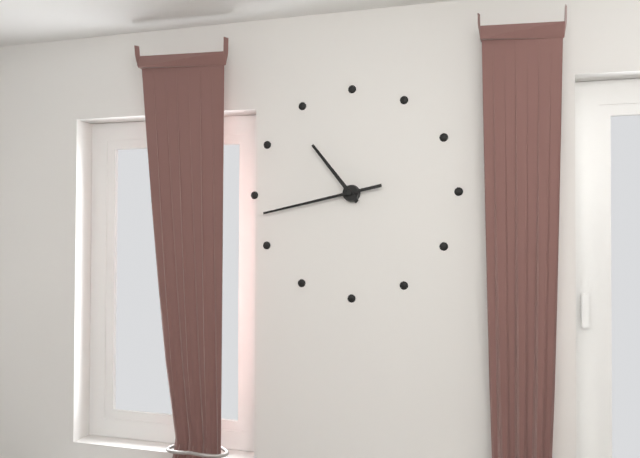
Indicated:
**10:43**
